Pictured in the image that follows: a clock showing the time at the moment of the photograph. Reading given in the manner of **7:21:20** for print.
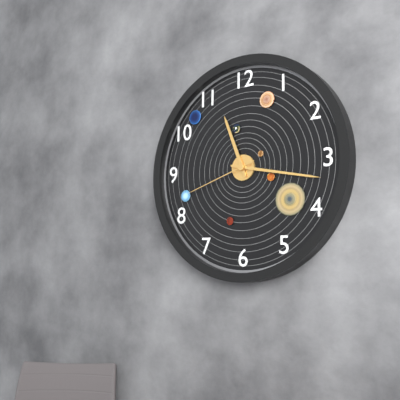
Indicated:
**11:17:42**
